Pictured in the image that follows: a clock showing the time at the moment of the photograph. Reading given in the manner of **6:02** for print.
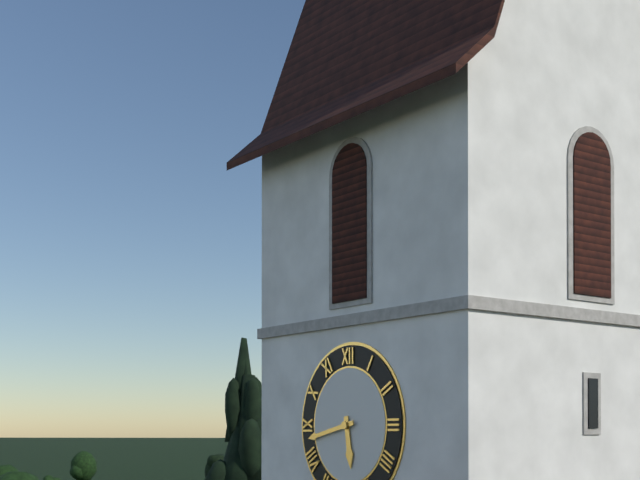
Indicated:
**5:43**
